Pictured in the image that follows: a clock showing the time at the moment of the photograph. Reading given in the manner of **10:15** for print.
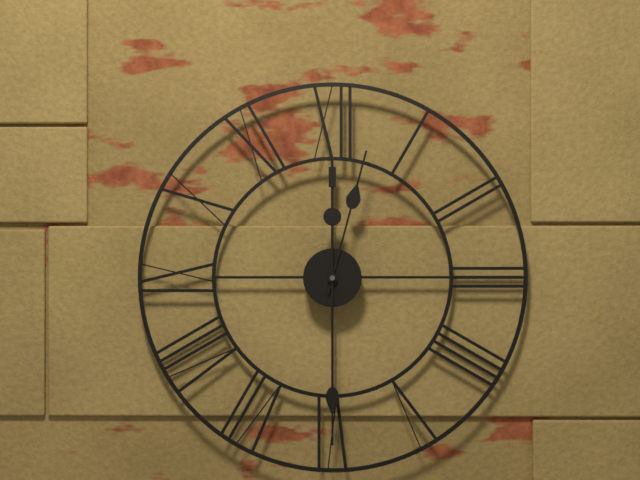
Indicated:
**12:30**
